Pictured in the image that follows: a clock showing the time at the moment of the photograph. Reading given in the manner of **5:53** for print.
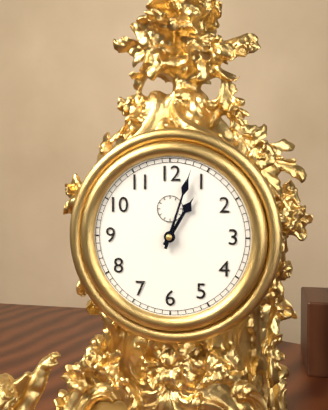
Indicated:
**1:03**
